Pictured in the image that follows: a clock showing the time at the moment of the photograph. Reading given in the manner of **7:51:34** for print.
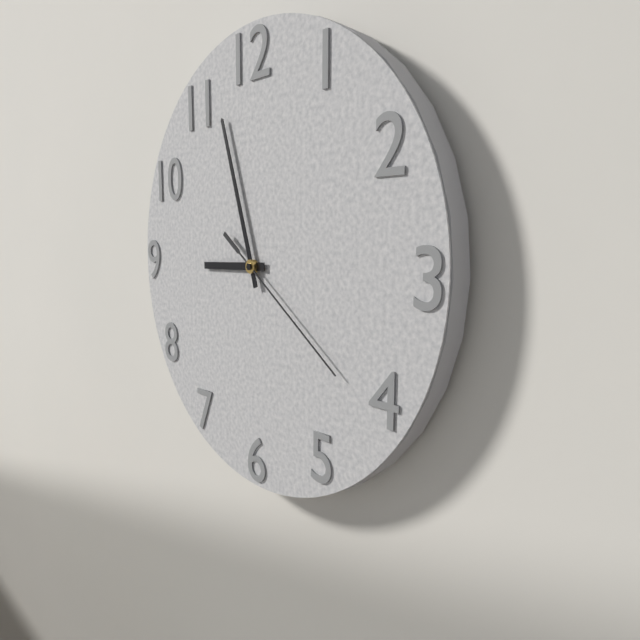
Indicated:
**8:57:21**
